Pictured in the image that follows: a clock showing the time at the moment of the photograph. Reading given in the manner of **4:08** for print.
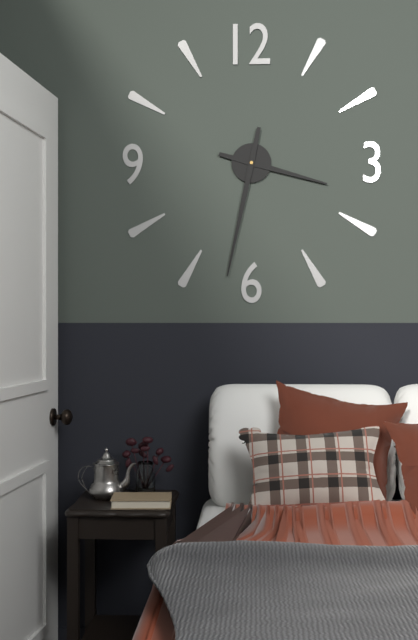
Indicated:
**3:32**
